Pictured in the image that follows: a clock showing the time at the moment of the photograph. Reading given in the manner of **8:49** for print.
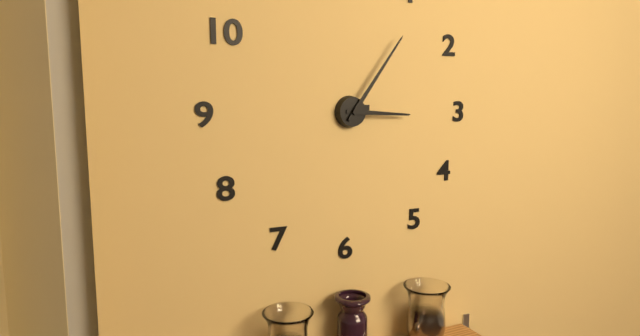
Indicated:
**3:06**
